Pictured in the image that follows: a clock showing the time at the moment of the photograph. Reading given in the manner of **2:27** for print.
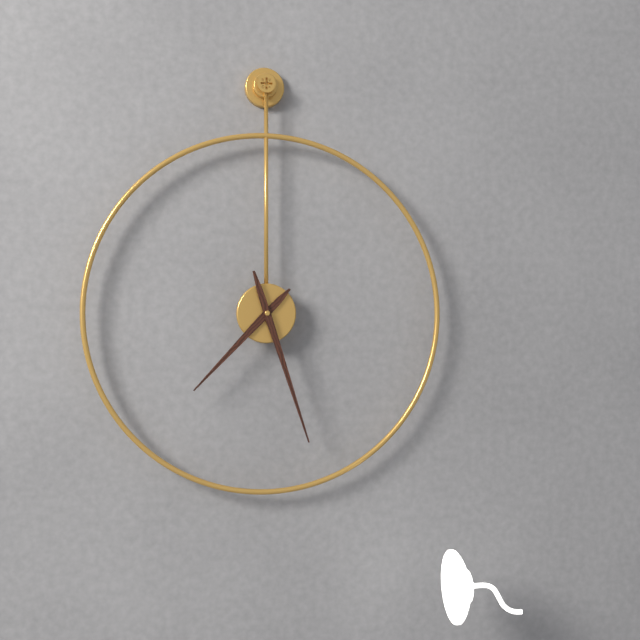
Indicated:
**7:27**
